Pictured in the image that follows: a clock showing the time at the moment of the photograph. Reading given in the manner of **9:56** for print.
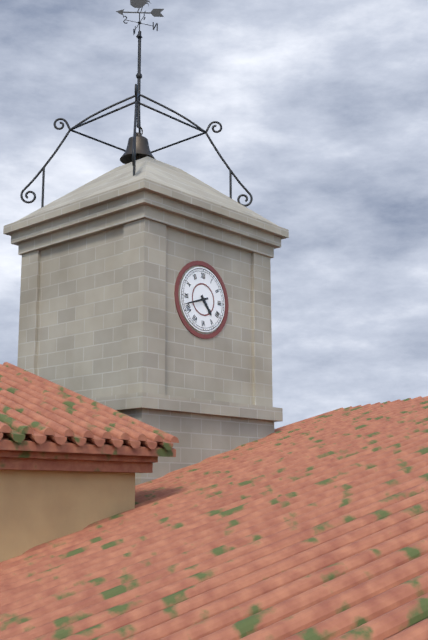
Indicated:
**4:42**
